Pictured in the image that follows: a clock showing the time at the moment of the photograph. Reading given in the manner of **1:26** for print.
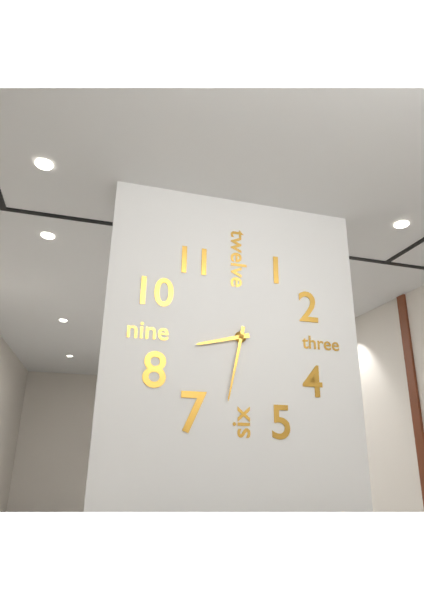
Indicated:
**8:32**
